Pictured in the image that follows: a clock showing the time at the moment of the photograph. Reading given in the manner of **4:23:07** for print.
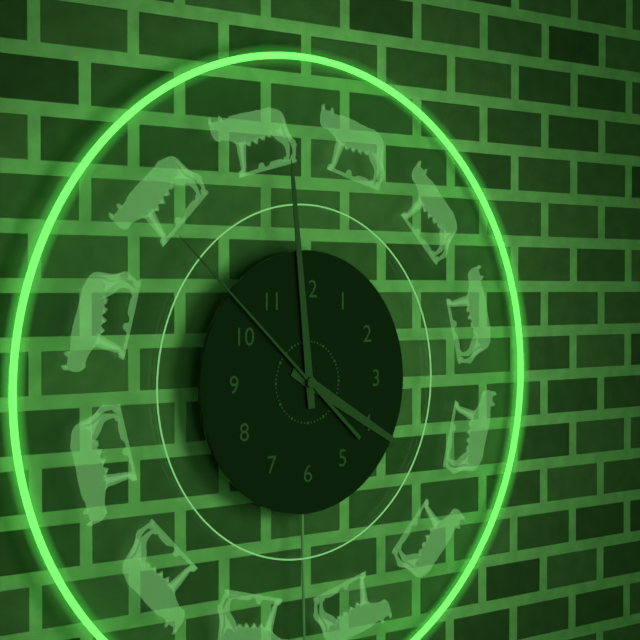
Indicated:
**3:59:52**
